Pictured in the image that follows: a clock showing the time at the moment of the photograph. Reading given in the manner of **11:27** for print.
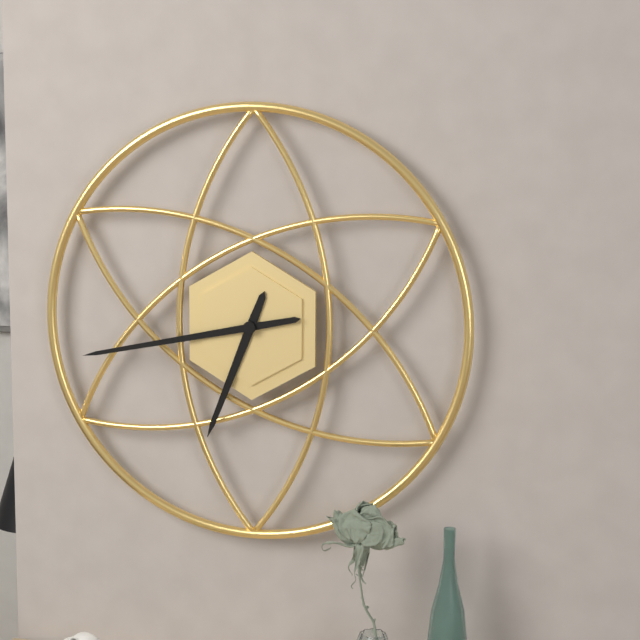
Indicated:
**6:43**
